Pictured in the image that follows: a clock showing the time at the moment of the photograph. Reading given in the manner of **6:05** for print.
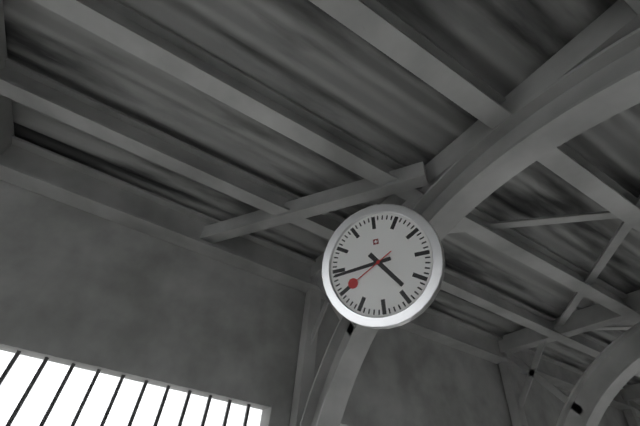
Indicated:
**4:44**
